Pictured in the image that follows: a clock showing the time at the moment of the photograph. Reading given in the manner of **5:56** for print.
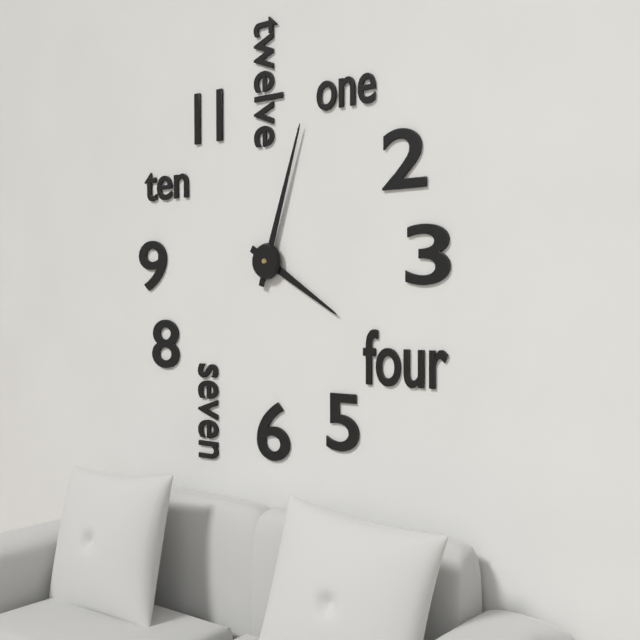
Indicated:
**4:03**
